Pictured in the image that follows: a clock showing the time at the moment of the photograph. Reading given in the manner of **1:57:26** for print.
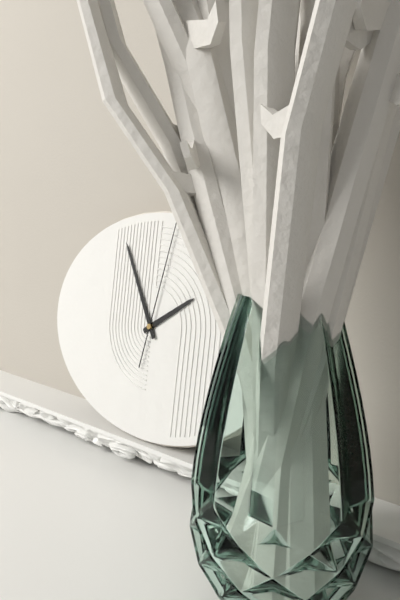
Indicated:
**1:55:02**
